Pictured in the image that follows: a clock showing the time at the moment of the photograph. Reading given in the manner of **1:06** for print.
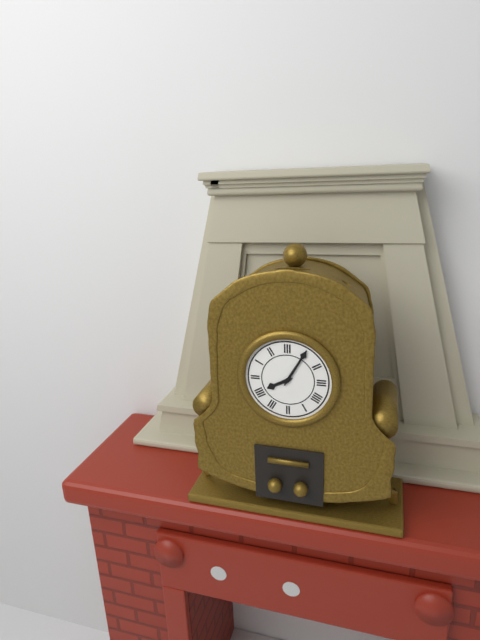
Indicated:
**8:05**
